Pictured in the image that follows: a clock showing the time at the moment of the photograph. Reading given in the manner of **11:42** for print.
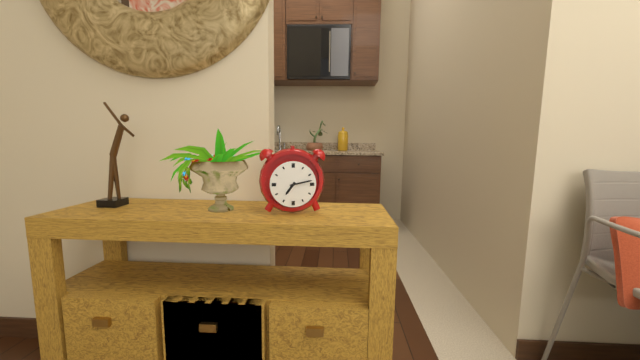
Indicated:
**7:13**
